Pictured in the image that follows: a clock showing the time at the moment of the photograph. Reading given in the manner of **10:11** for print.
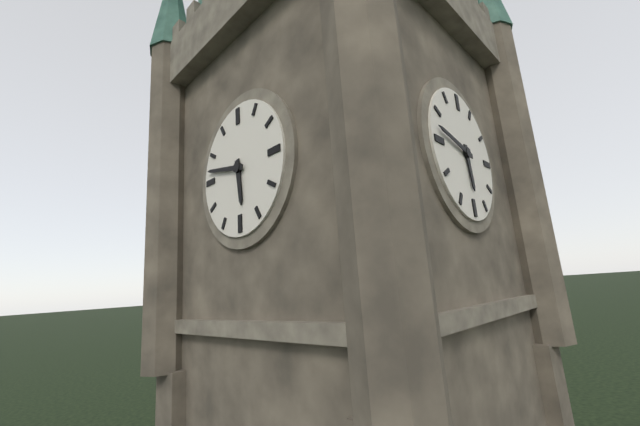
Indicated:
**5:47**
